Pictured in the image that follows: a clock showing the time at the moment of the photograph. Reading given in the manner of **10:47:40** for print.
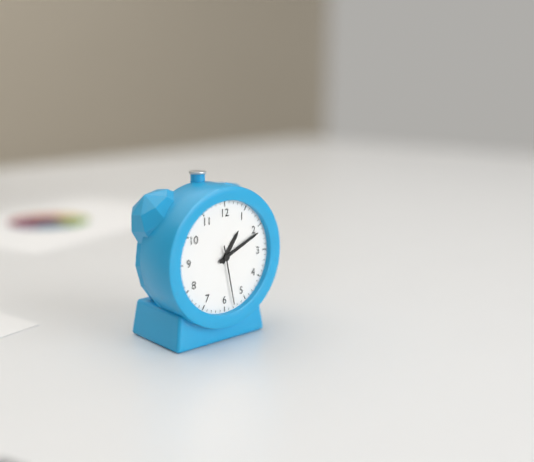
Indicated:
**1:11:28**
